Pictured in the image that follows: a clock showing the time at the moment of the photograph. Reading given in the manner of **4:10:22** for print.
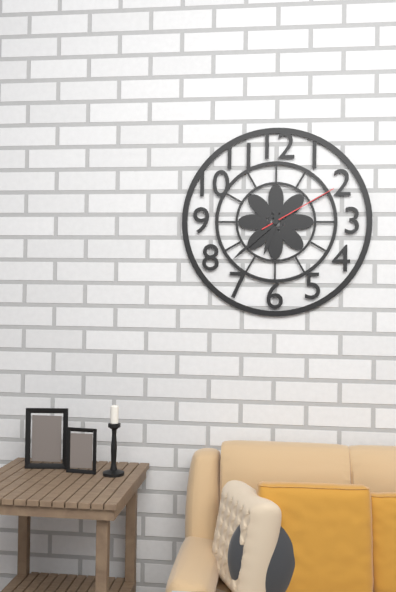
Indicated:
**6:38:10**
